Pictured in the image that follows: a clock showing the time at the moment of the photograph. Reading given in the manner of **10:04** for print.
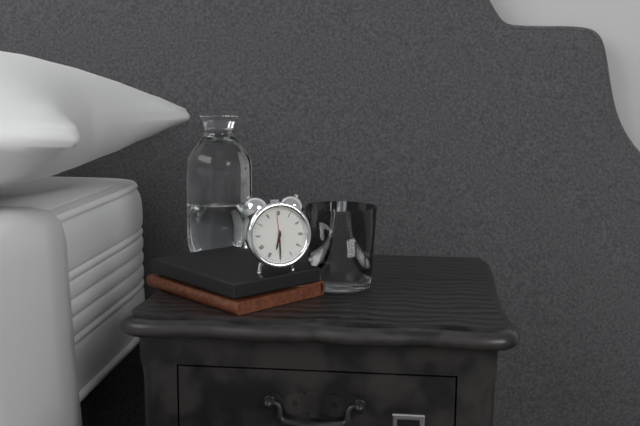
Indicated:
**6:30**
